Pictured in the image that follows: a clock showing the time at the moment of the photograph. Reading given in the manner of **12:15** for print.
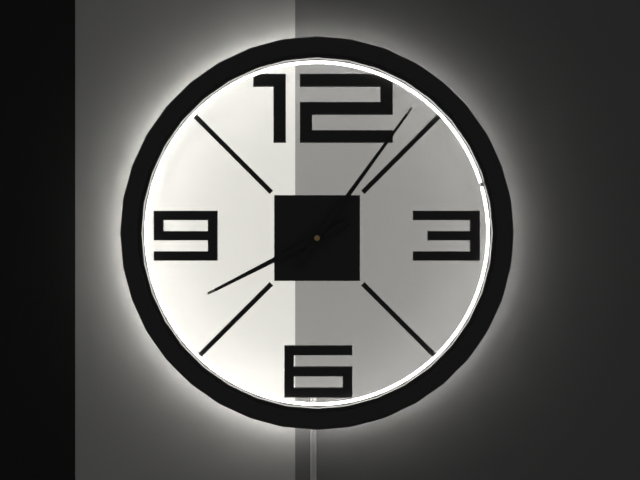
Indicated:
**8:06**
